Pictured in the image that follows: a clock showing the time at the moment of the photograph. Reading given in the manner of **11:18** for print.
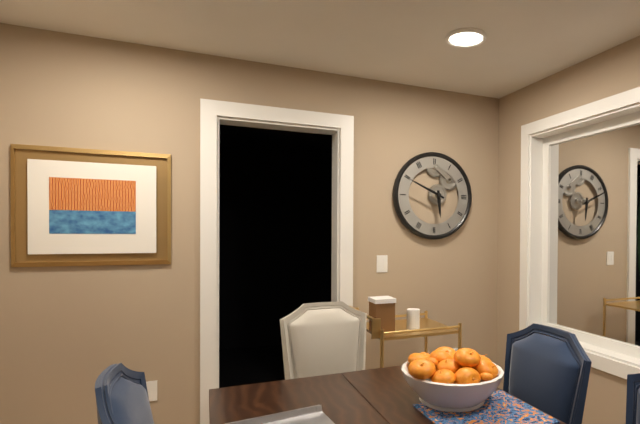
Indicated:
**5:49**
